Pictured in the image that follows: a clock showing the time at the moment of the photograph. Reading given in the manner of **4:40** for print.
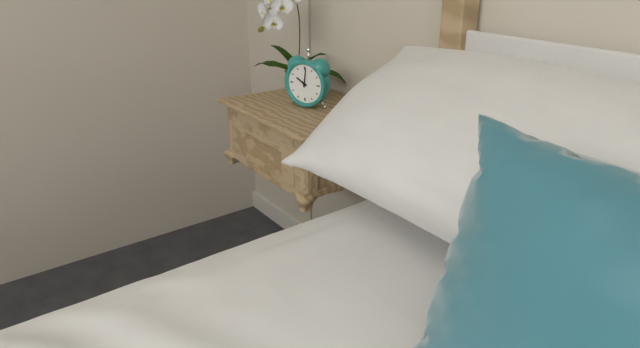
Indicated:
**10:01**
